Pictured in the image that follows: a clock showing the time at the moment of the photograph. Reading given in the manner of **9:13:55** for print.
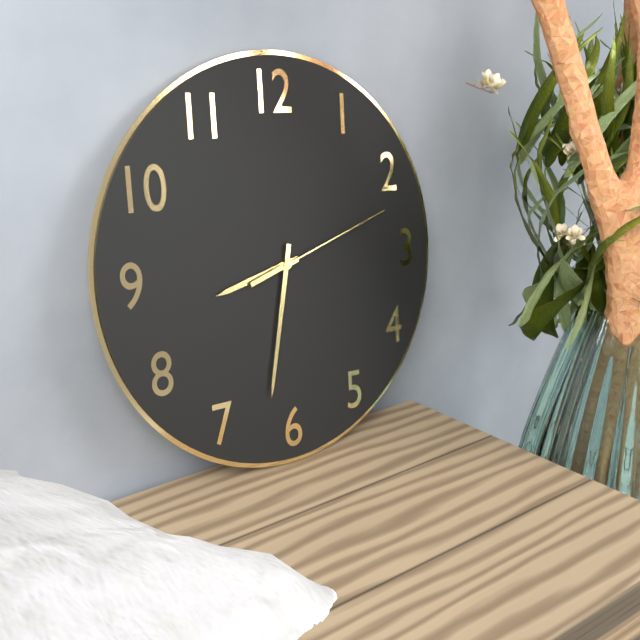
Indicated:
**8:32:12**
